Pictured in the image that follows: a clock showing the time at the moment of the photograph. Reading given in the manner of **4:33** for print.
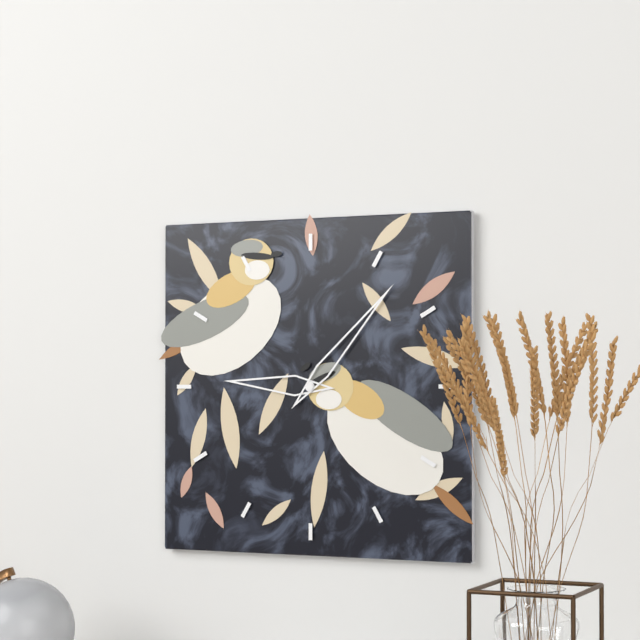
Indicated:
**9:07**
